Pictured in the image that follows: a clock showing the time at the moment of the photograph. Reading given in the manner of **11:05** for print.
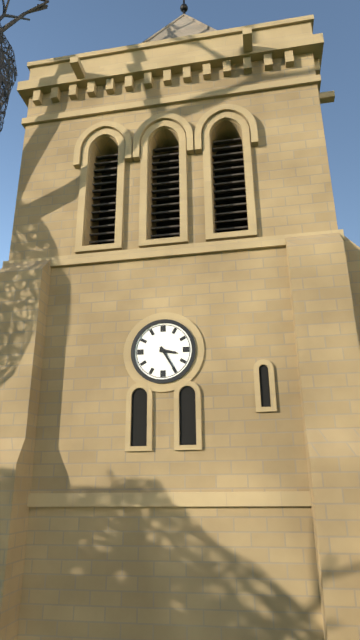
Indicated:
**3:25**
